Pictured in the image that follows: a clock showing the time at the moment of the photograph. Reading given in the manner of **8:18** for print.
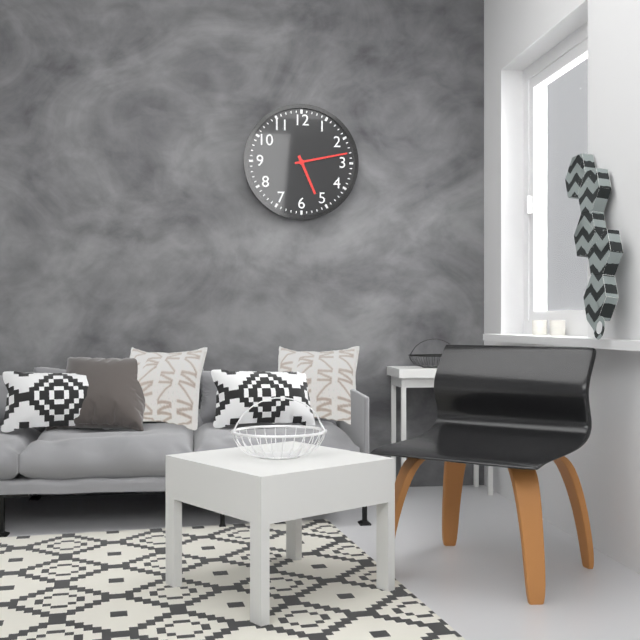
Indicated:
**5:13**
